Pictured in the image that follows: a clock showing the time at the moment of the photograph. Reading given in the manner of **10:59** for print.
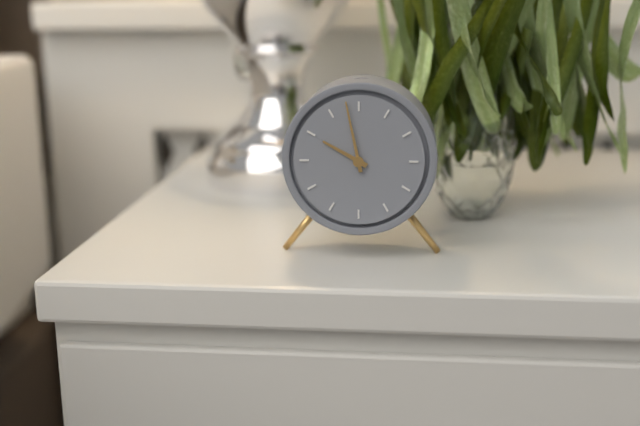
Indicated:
**9:58**
